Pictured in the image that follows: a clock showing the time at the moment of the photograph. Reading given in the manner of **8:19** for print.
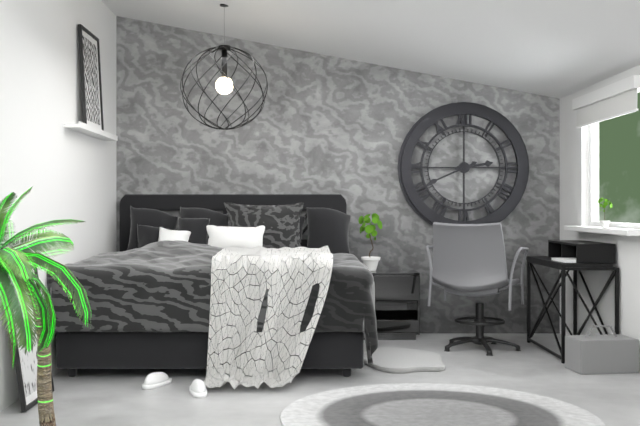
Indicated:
**2:41**
